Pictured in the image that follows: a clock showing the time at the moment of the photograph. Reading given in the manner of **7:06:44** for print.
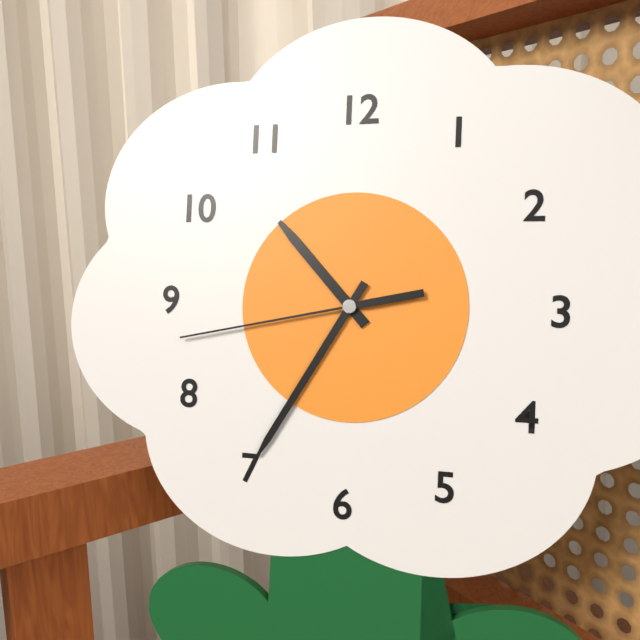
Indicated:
**10:35:43**
